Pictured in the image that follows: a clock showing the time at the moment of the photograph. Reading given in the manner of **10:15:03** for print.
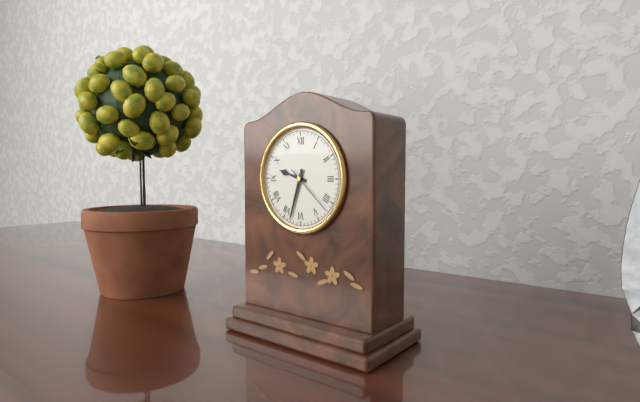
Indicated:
**9:33:22**
